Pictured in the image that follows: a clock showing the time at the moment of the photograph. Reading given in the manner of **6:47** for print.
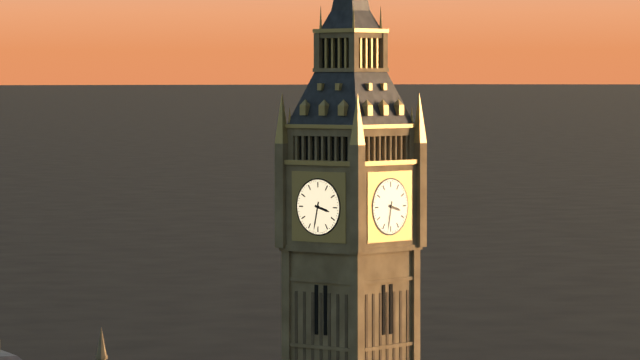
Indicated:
**3:32**
